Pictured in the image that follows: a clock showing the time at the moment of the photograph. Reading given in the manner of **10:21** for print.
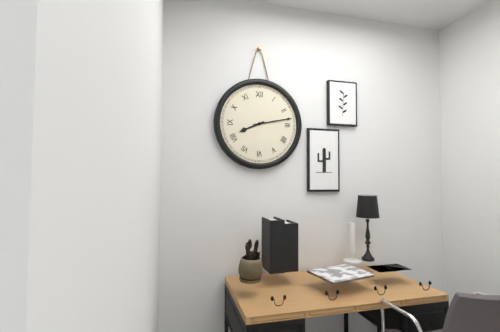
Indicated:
**8:13**
